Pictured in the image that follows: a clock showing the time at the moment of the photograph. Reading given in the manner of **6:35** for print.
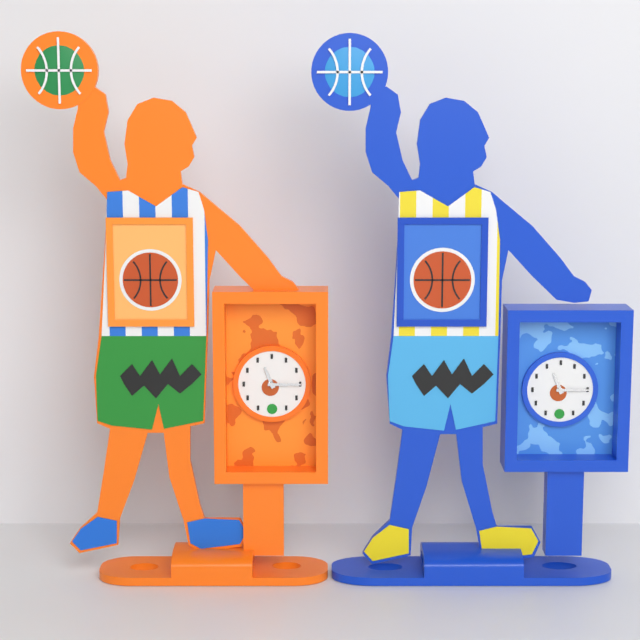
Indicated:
**11:15**
